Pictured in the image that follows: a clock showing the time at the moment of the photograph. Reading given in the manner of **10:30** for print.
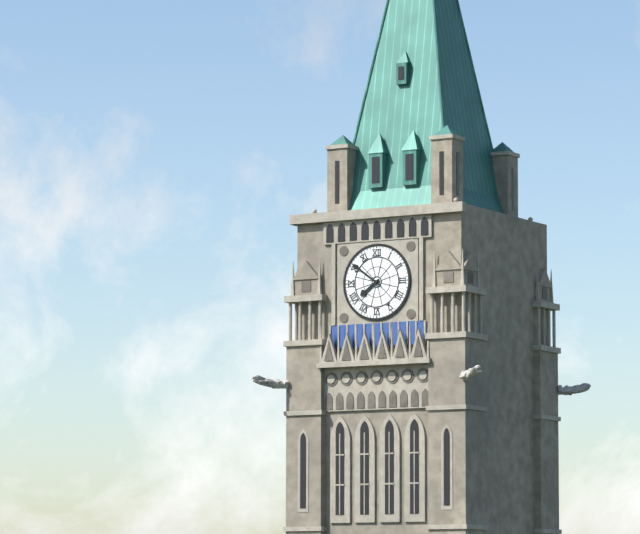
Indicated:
**7:51**
